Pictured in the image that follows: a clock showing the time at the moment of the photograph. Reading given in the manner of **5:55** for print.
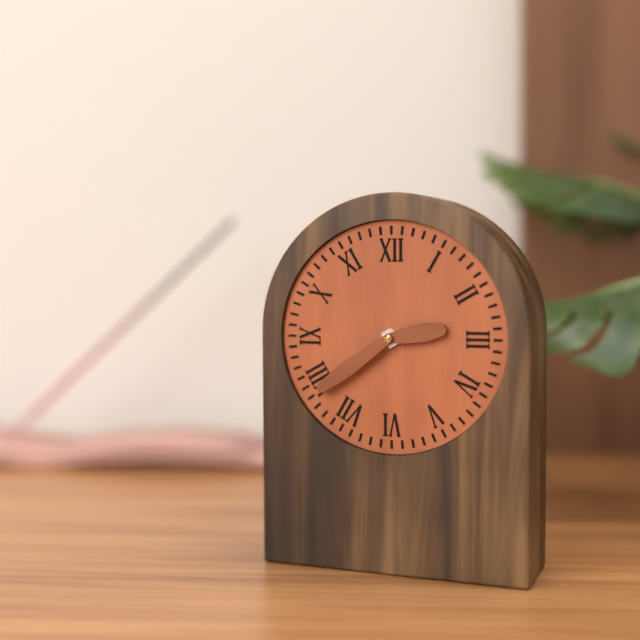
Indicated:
**2:39**
